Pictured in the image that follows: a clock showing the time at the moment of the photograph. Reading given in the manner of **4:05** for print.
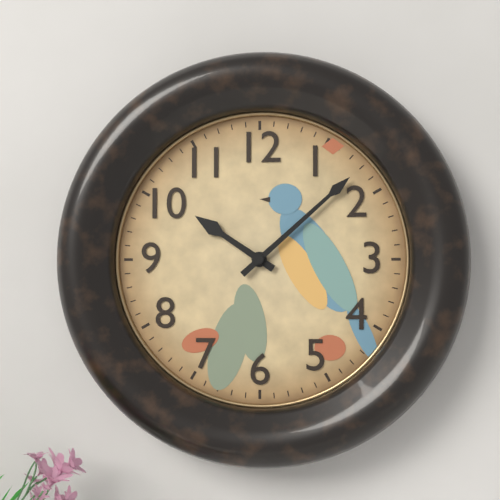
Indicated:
**10:08**
